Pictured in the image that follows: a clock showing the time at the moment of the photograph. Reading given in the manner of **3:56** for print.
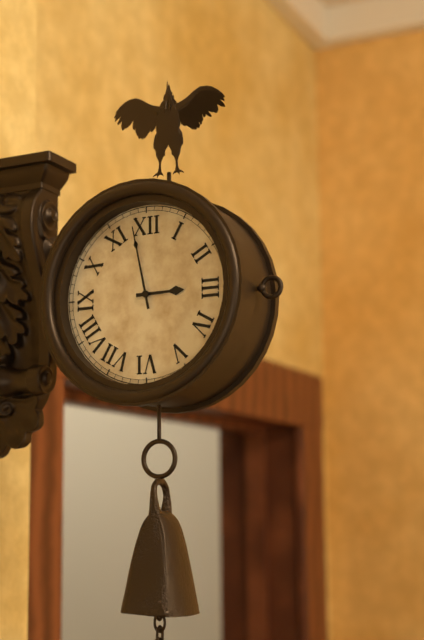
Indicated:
**2:58**
